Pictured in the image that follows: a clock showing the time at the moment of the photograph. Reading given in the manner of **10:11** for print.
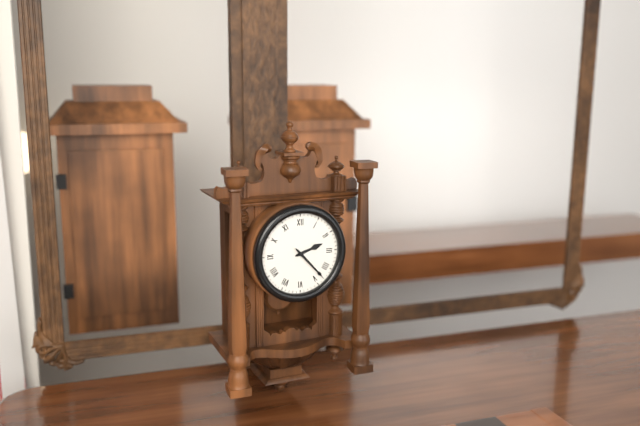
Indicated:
**2:23**
